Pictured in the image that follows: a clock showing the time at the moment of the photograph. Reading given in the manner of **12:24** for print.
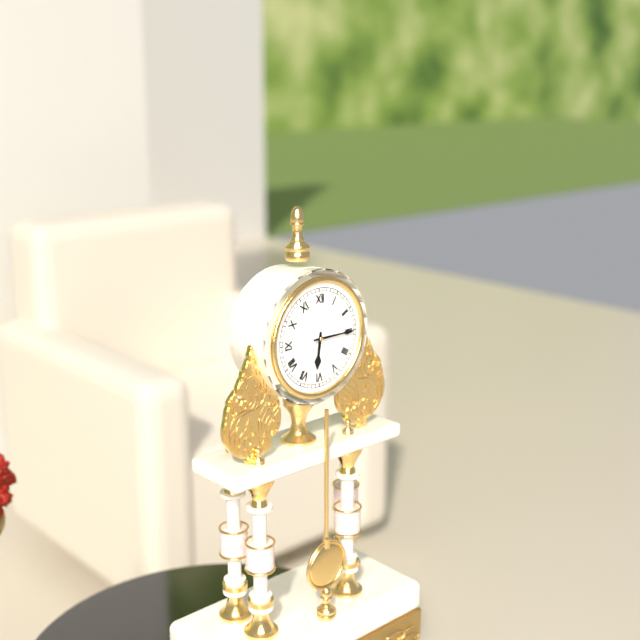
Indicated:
**6:15**
